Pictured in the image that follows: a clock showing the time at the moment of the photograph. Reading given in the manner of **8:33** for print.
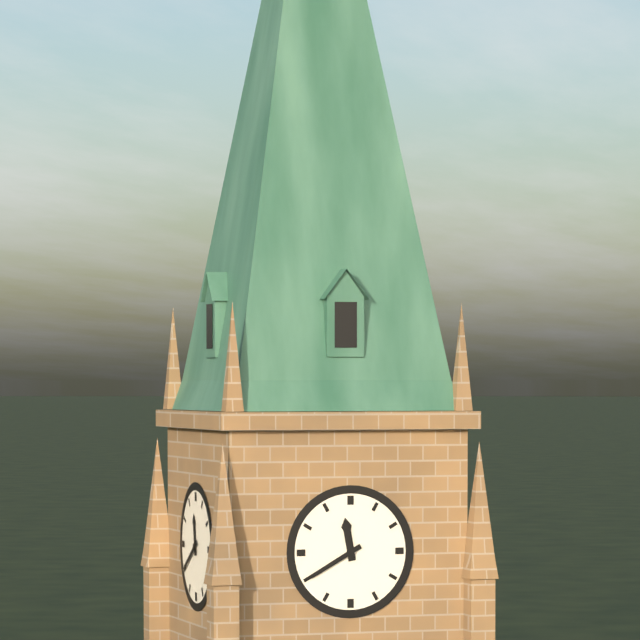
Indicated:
**11:40**
